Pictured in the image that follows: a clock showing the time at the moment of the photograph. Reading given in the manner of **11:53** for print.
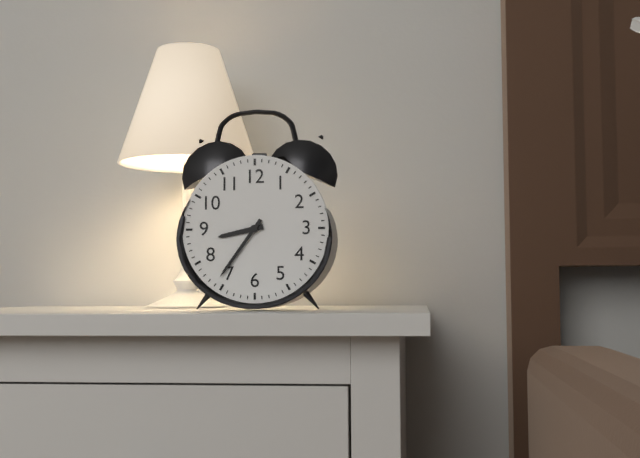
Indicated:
**8:36**
